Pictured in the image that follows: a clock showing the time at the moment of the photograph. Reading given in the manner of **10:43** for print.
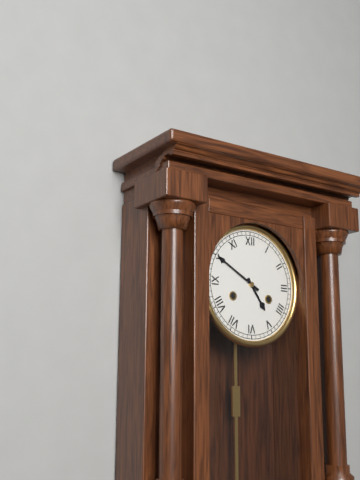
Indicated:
**4:50**
